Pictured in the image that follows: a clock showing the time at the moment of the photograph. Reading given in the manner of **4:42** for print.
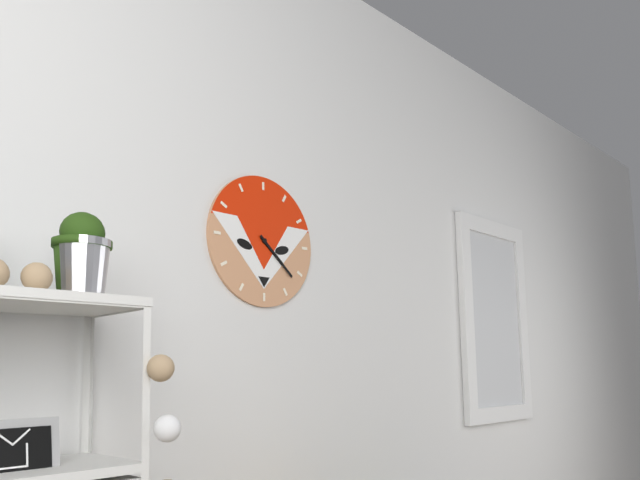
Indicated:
**4:22**
